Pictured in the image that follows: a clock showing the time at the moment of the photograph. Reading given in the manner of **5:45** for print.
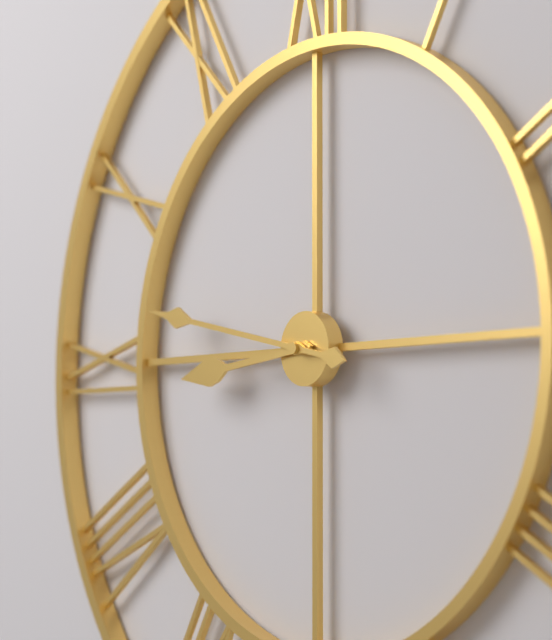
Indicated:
**8:47**
